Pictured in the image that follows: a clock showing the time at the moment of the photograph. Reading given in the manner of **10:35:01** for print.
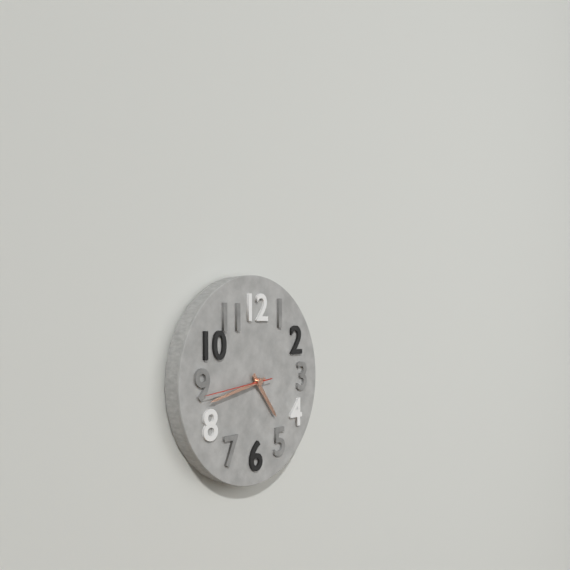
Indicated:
**4:43:44**
